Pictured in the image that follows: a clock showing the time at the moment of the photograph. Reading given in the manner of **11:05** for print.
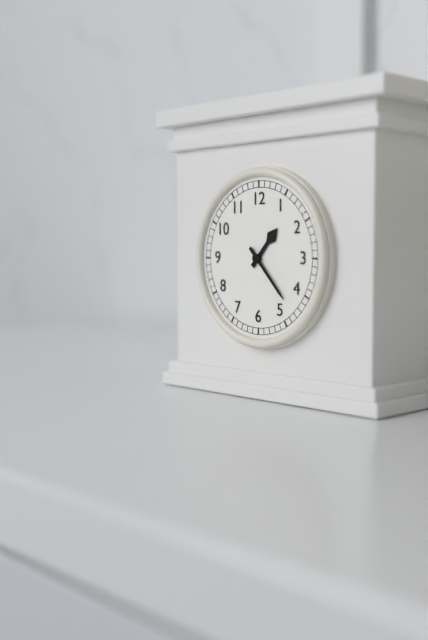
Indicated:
**1:23**
